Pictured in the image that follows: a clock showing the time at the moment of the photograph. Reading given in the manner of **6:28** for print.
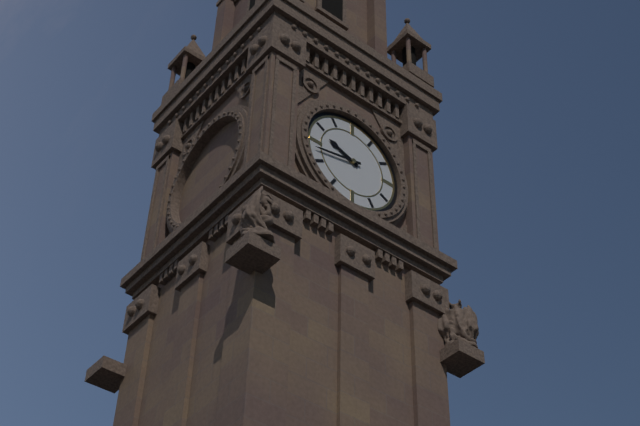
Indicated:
**9:43**
